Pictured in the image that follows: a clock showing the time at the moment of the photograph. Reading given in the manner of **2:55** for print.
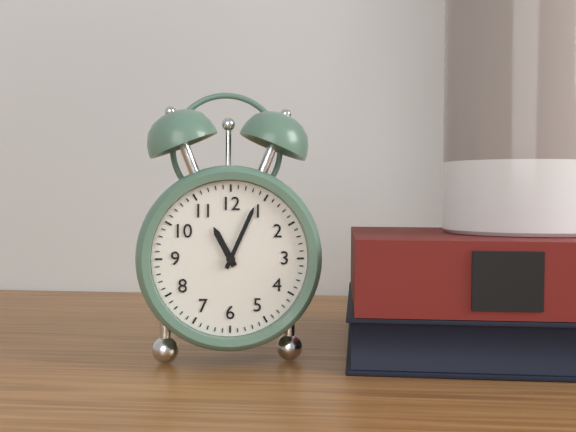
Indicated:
**11:04**
